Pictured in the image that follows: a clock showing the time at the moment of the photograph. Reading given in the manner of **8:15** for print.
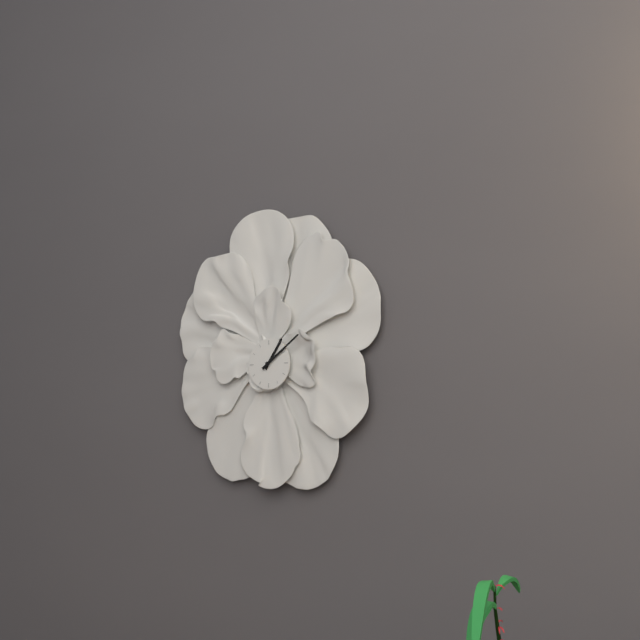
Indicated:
**1:09**
